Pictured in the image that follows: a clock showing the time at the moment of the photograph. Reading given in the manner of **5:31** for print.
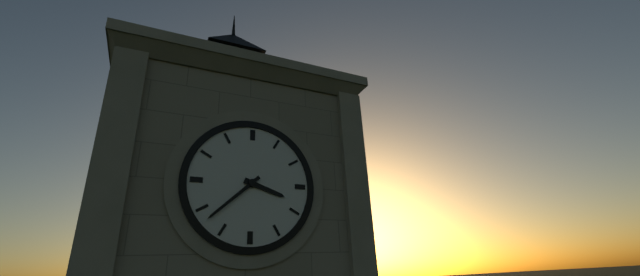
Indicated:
**3:38**
